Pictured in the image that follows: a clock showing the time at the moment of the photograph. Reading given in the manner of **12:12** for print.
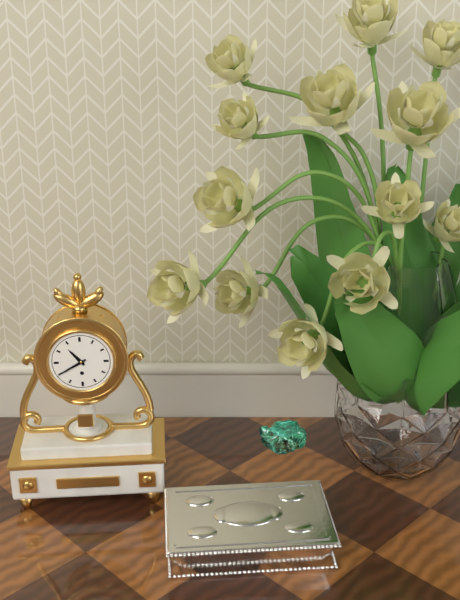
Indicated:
**10:40**
